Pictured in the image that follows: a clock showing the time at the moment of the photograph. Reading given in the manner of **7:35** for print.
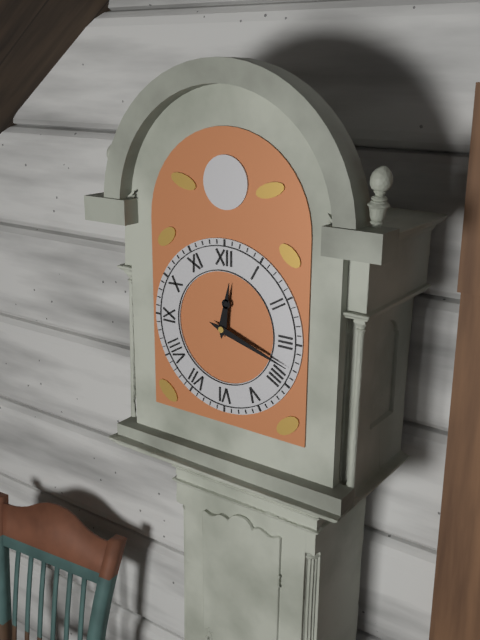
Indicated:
**12:18**
